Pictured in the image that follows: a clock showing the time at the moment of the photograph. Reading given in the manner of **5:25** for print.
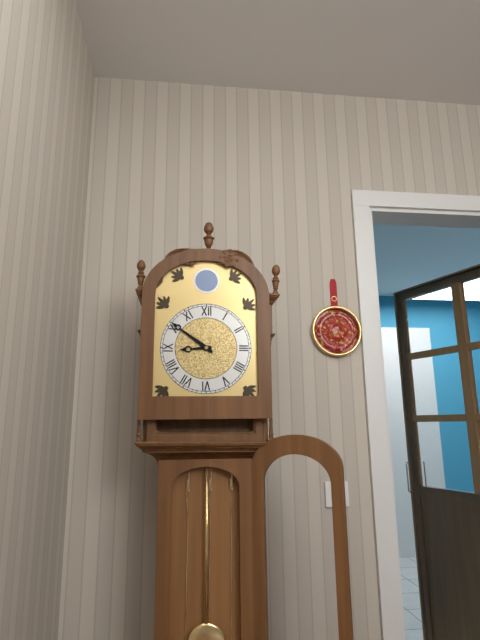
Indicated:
**8:51**
